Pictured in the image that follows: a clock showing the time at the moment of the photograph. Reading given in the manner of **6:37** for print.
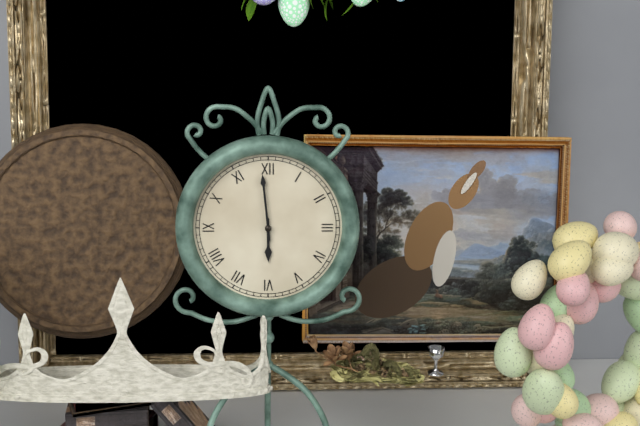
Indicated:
**5:59**
